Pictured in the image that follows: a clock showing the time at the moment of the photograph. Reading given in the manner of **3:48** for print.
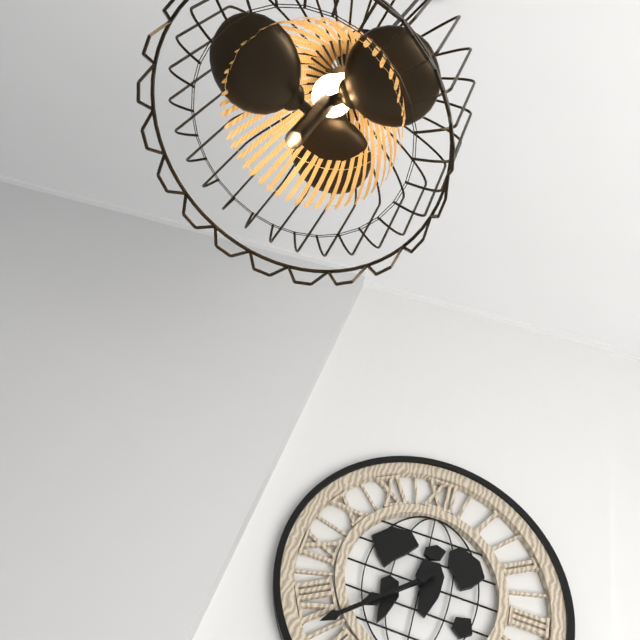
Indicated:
**7:38**
